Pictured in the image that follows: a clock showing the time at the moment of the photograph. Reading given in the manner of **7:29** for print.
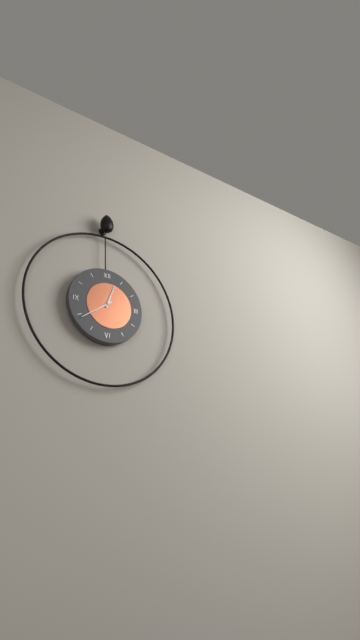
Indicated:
**12:39**
